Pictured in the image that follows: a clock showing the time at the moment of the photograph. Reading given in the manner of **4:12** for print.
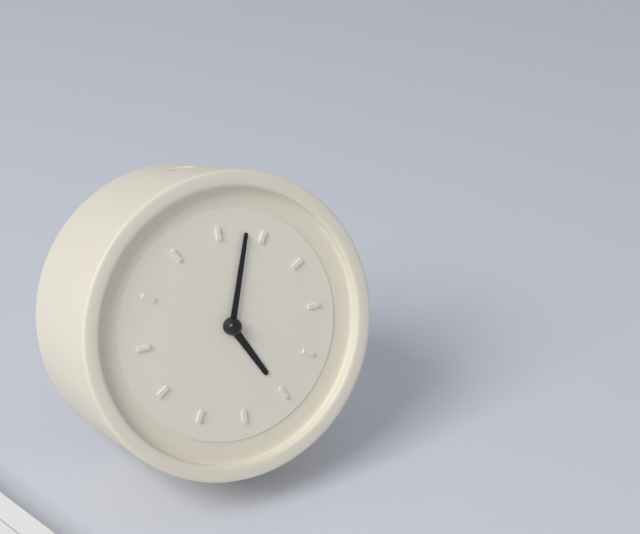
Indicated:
**5:03**
